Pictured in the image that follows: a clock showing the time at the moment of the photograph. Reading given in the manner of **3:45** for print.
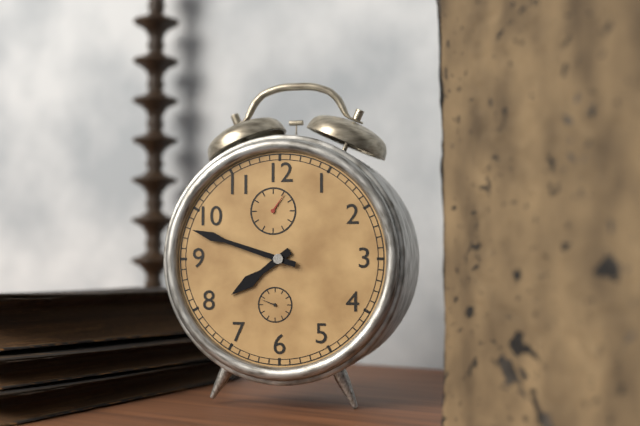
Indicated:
**7:48**
